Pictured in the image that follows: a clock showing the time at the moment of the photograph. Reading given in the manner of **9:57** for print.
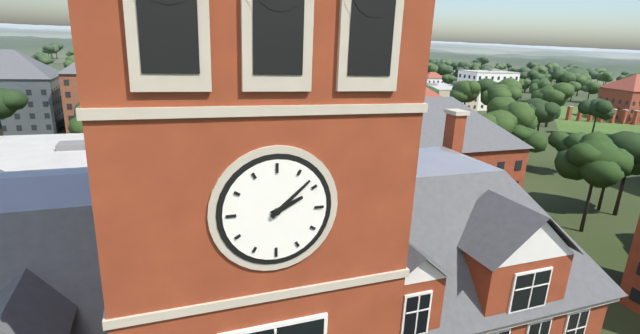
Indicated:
**2:08**
